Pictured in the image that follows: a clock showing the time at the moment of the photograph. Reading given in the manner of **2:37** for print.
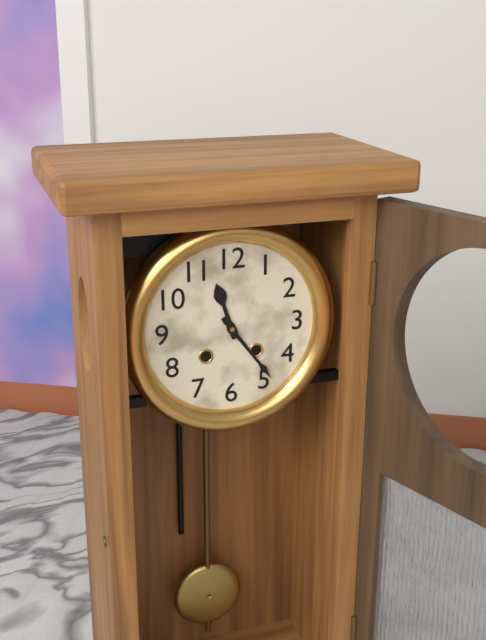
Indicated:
**11:24**
